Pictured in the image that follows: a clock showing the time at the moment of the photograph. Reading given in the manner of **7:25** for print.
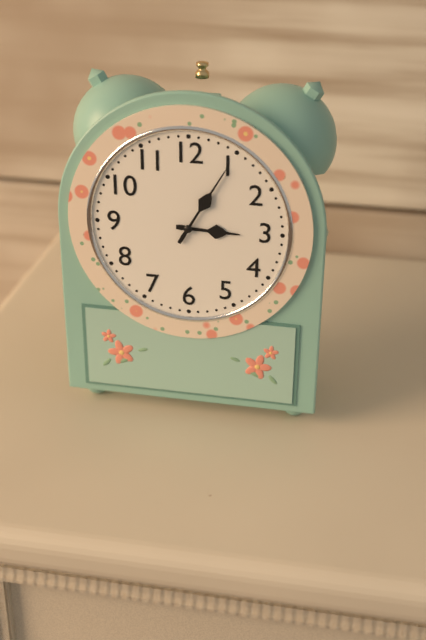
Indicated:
**3:05**
